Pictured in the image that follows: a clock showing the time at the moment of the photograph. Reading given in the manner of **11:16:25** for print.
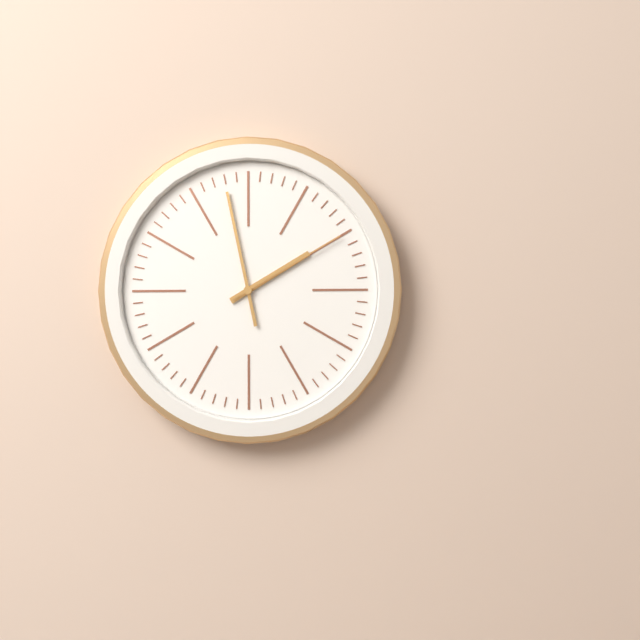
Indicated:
**1:58:10**
